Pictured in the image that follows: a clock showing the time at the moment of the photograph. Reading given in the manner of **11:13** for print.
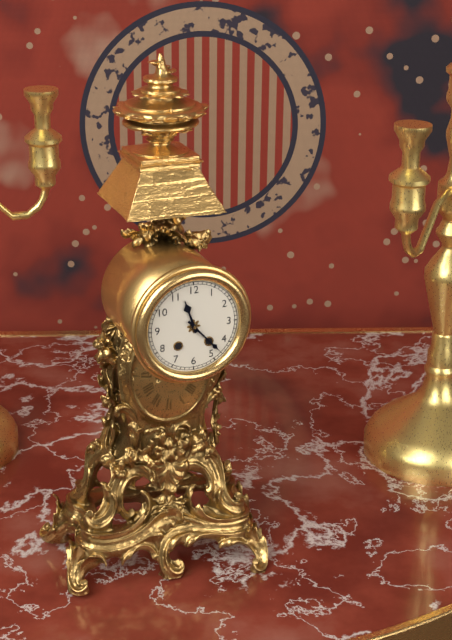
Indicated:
**11:23**
